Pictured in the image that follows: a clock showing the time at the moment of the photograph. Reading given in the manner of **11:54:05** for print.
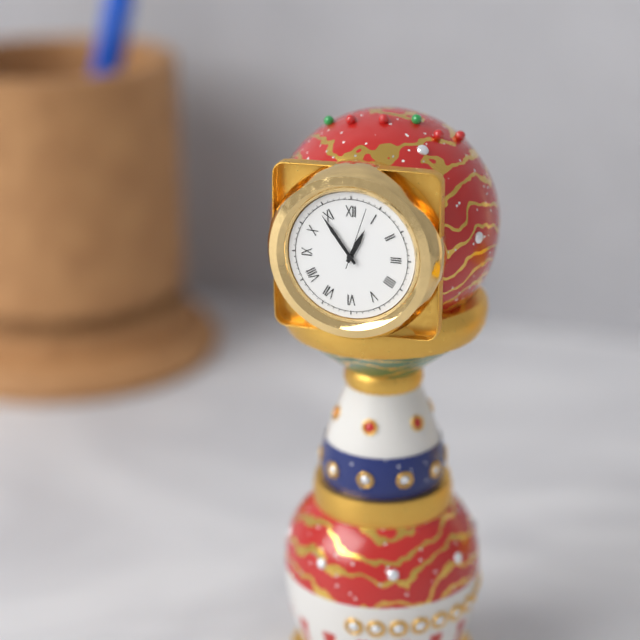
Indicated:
**12:54:03**
